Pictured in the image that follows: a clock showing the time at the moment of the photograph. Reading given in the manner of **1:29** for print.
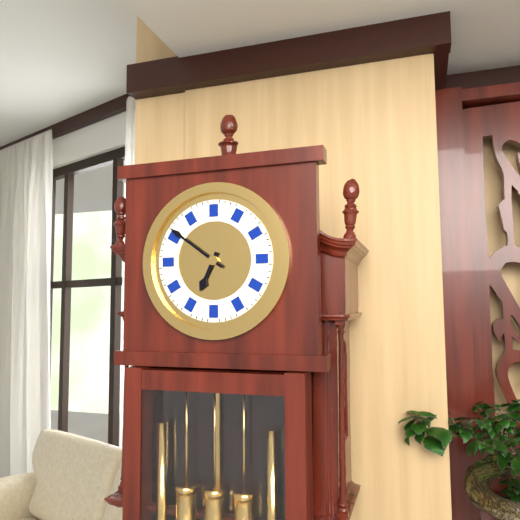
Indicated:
**6:51**
